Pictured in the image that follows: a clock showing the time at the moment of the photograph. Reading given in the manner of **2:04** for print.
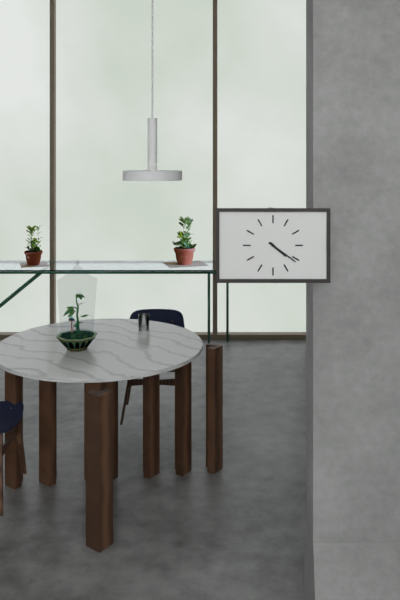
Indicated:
**4:21**
